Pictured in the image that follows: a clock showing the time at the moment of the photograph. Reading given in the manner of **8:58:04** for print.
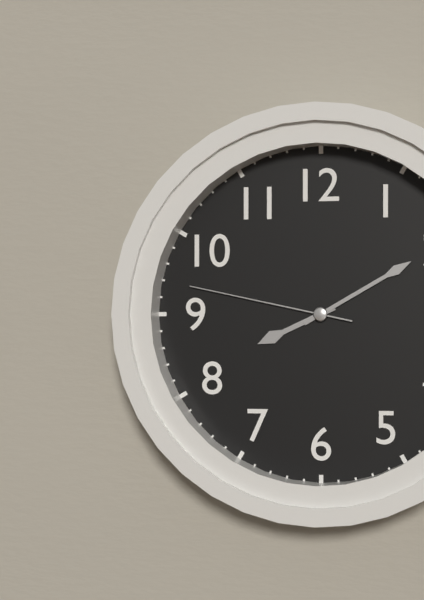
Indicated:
**8:10:47**
